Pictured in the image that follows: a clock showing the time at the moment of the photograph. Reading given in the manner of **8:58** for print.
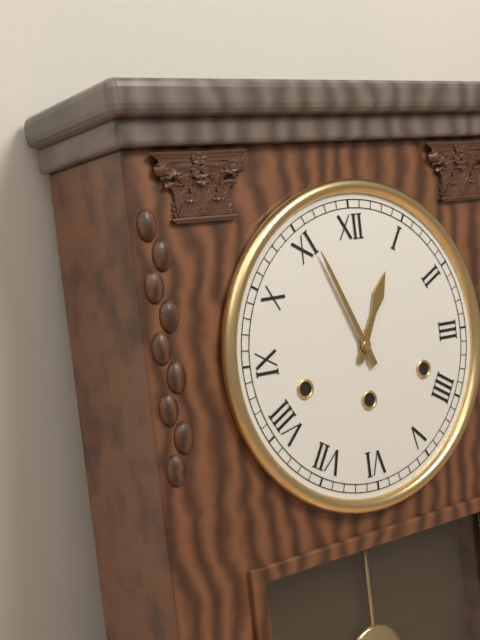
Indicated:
**12:56**
